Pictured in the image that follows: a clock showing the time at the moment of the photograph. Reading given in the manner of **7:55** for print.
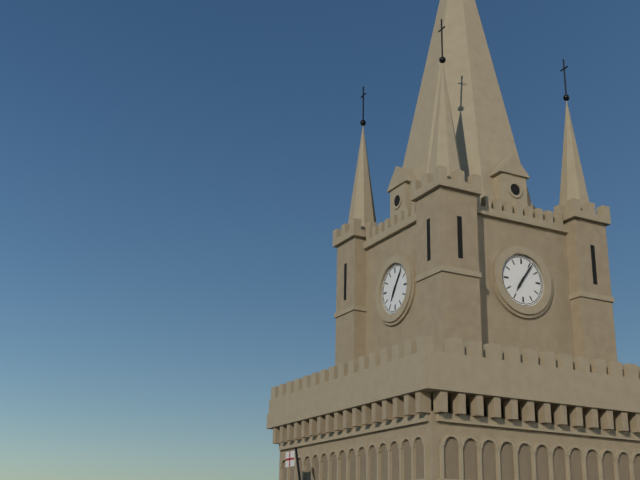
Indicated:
**7:06**
